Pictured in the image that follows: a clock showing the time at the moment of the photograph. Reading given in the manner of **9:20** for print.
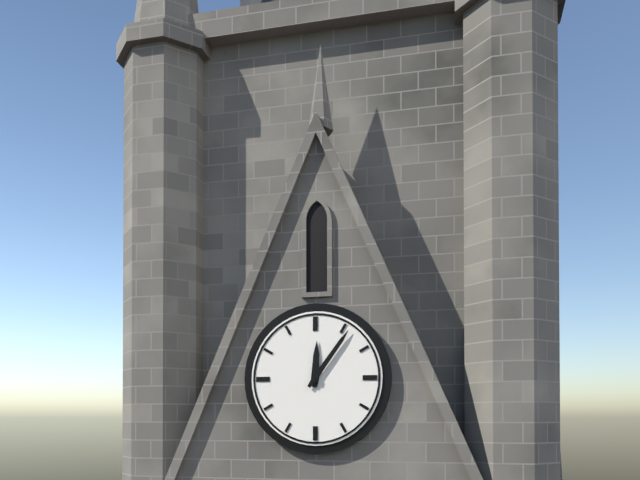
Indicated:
**12:06**
